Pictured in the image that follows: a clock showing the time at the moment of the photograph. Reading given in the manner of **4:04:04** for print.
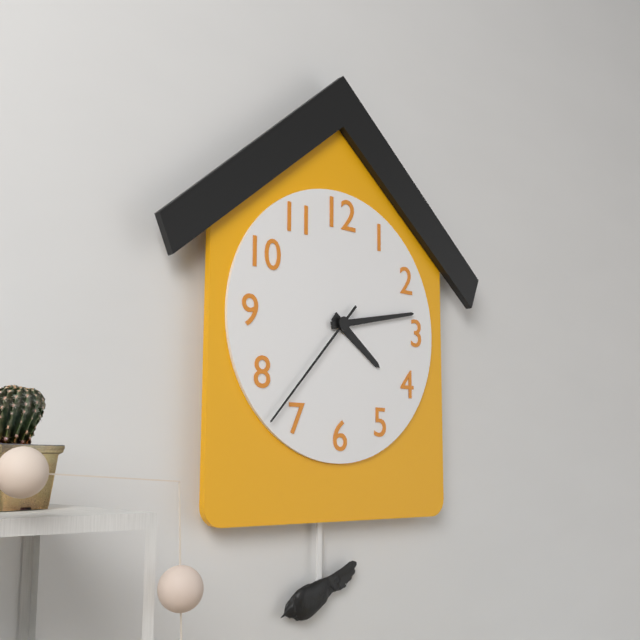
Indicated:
**4:13:37**
